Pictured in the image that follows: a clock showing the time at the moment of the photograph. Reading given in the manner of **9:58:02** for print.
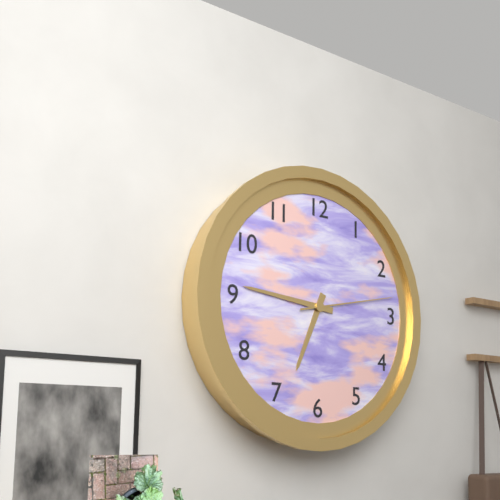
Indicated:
**6:46:13**
